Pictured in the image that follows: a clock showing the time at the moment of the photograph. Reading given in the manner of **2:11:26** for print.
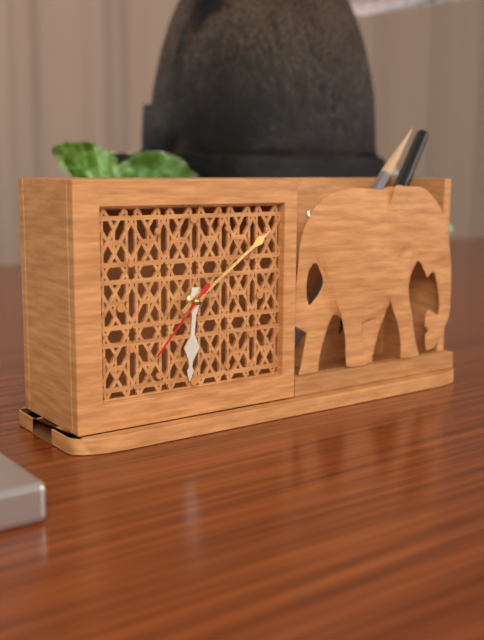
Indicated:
**6:09:37**
